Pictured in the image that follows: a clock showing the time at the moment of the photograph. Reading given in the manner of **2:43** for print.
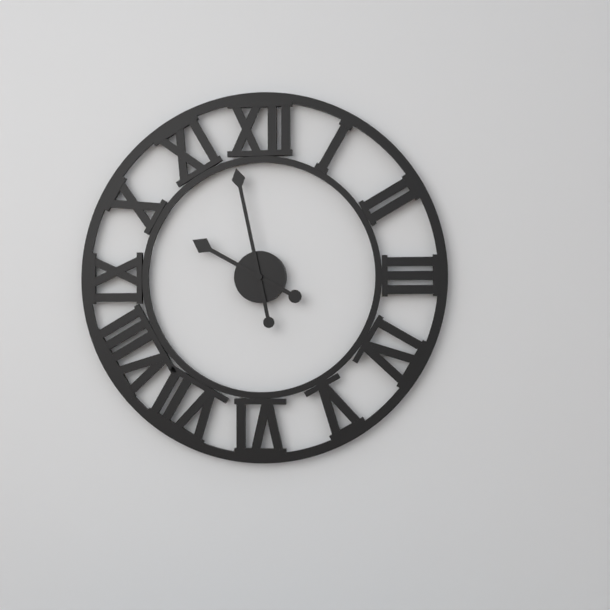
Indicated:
**9:58**
